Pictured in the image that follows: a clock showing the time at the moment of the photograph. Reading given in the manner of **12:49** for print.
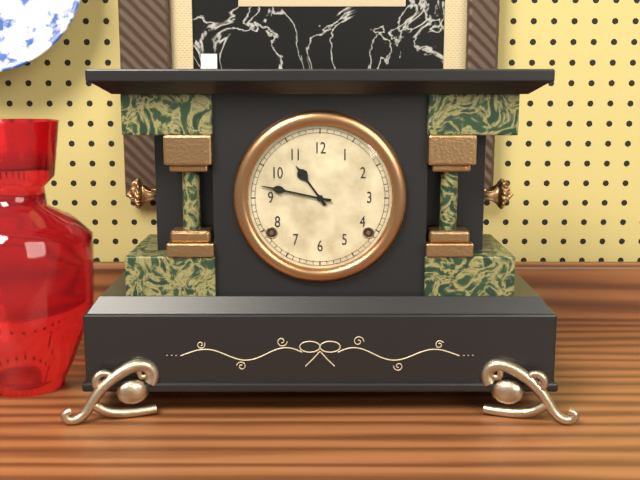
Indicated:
**10:47**
